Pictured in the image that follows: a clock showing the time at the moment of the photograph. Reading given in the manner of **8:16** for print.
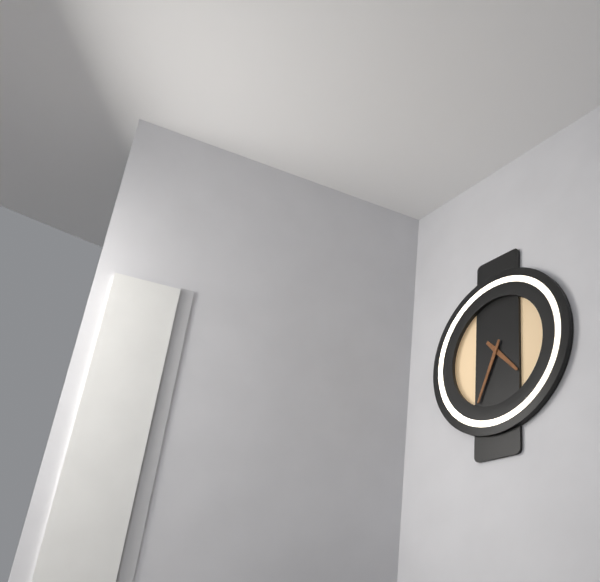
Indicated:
**4:34**
